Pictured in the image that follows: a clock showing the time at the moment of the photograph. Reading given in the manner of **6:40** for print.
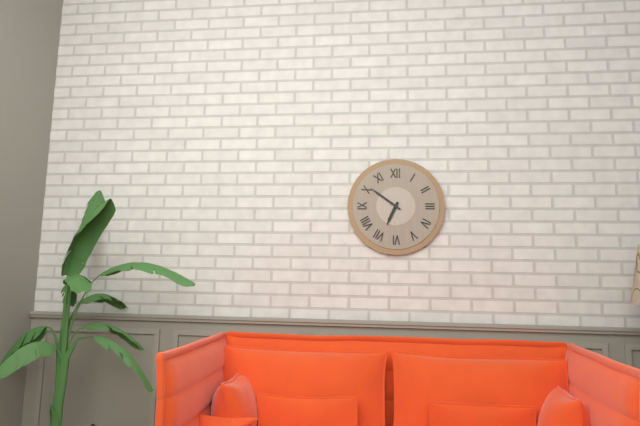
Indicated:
**6:51**
